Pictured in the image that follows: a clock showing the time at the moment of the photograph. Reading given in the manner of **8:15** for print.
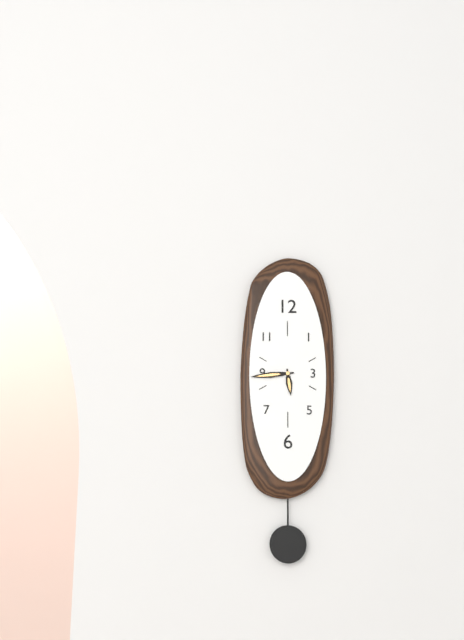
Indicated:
**5:44**
